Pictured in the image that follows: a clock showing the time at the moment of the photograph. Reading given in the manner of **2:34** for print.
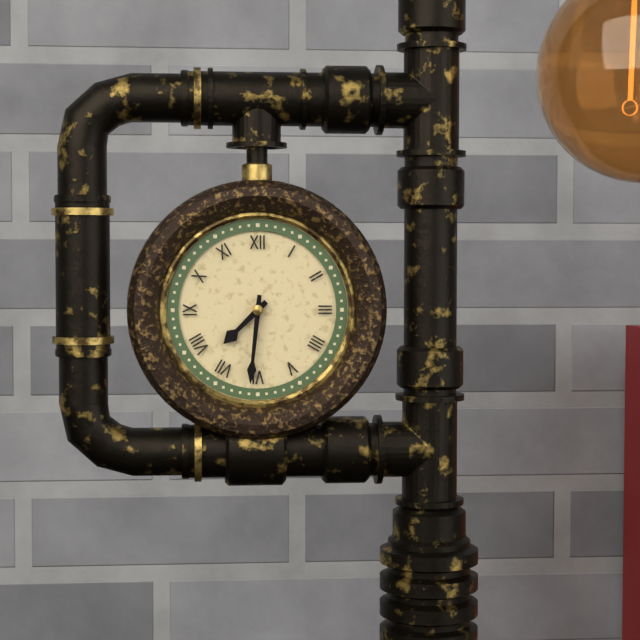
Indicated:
**7:31**
